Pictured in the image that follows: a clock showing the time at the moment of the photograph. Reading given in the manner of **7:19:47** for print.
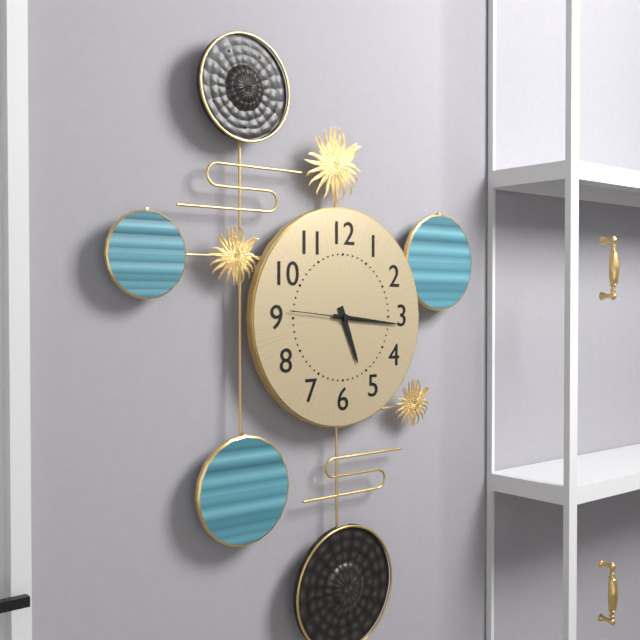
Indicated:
**5:16:46**
